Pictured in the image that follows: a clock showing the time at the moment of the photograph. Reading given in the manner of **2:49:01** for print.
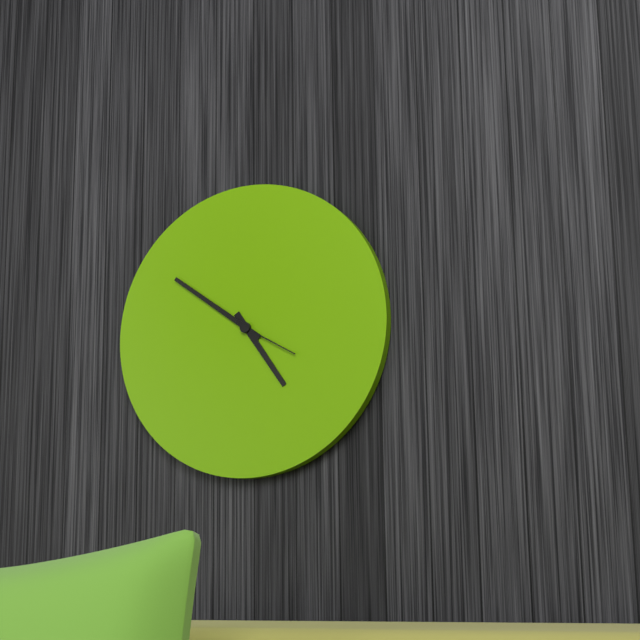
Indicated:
**4:51:20**
